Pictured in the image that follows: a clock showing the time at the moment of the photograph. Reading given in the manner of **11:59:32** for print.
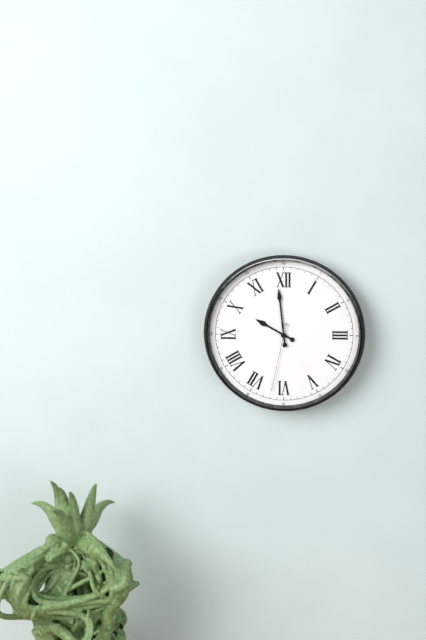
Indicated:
**9:59:32**
